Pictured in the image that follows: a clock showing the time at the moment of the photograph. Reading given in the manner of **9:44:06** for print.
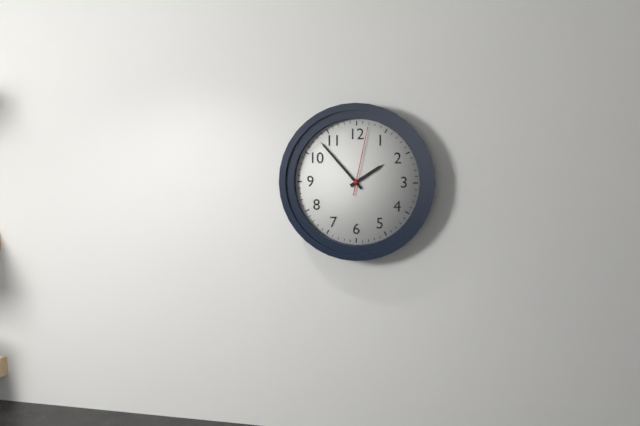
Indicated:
**1:53:02**
